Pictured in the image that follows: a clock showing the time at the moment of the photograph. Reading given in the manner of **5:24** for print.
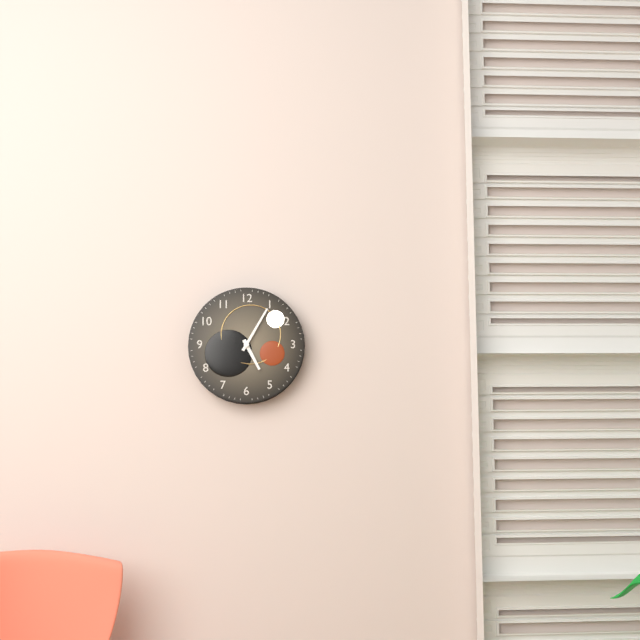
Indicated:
**5:05**
